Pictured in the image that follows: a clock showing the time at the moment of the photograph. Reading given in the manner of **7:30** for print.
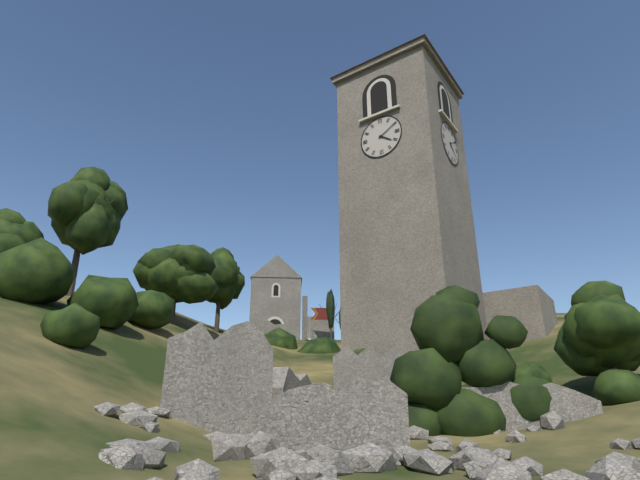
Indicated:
**4:10**
